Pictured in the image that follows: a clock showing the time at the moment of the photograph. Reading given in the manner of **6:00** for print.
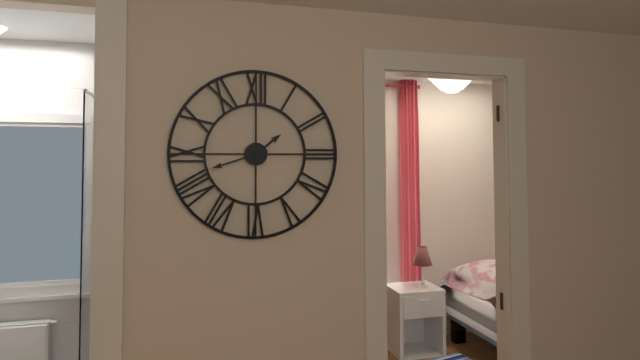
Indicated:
**1:42**
